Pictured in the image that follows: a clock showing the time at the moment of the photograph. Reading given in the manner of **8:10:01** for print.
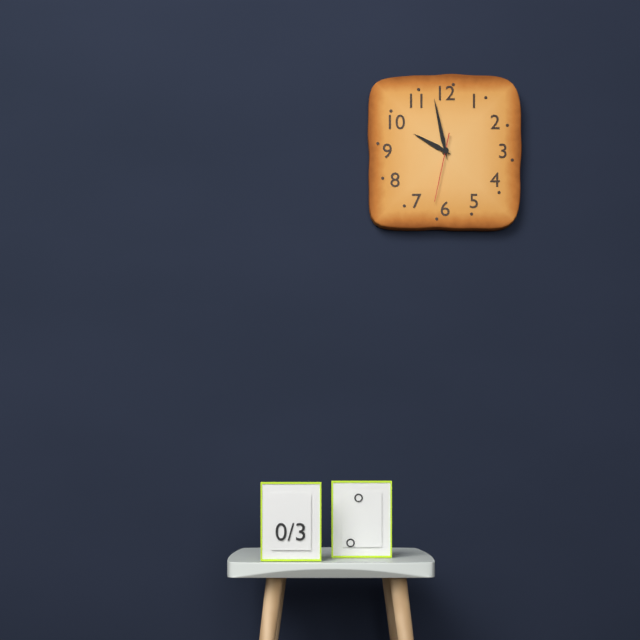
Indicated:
**9:58:32**
